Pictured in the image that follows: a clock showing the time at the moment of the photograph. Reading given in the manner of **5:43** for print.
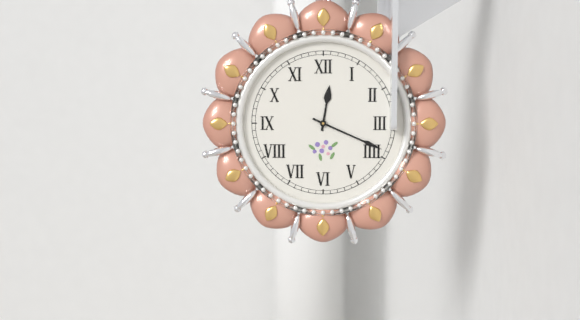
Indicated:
**12:19**
